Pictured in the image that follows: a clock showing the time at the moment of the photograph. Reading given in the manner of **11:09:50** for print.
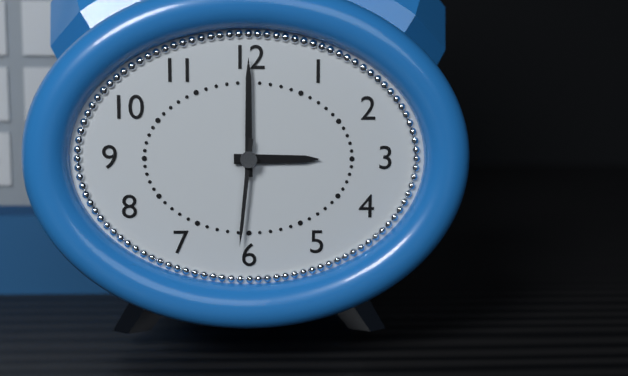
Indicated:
**3:00:31**
